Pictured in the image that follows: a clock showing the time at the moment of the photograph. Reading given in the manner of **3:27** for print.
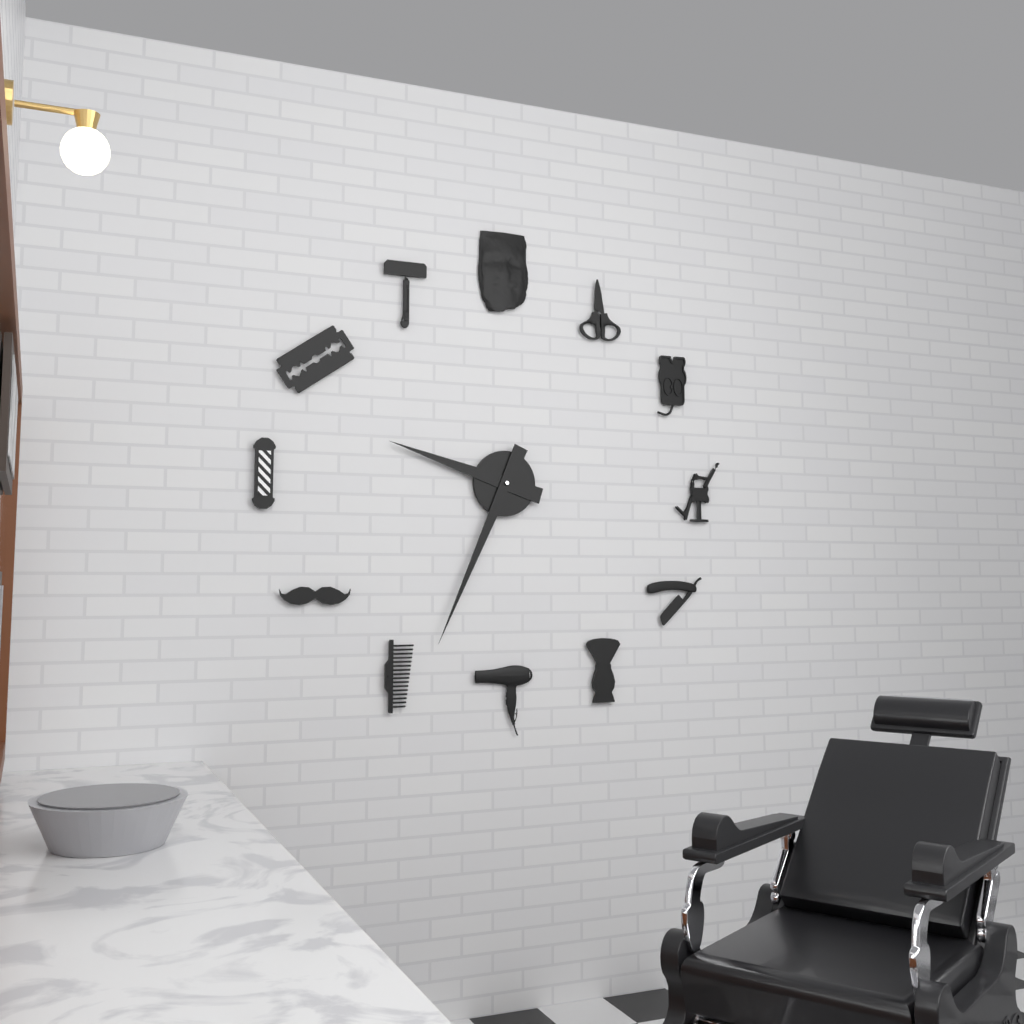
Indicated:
**9:34**
